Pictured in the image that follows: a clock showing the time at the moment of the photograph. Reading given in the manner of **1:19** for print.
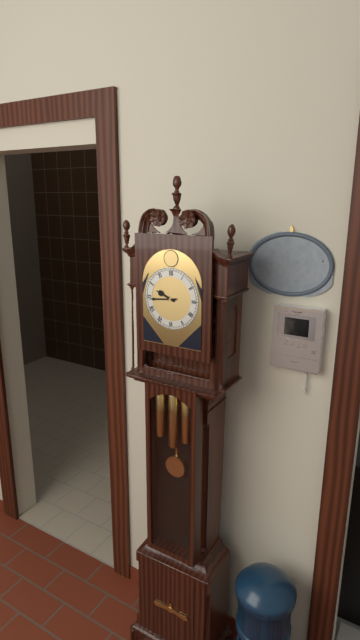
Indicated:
**9:44**
